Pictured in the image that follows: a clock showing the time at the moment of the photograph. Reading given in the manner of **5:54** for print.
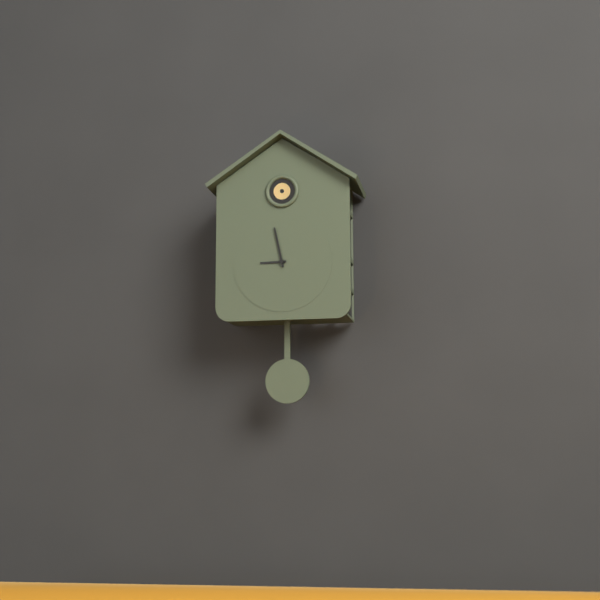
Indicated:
**8:58**
